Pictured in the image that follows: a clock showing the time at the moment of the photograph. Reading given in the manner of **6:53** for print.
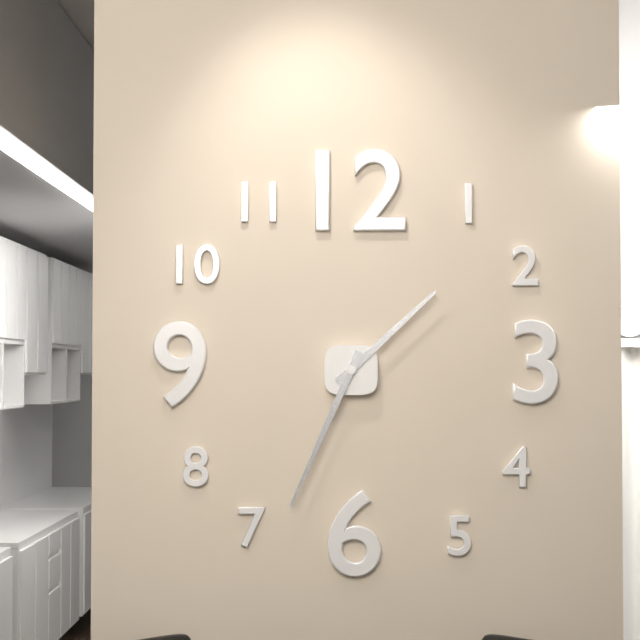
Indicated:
**1:34**
